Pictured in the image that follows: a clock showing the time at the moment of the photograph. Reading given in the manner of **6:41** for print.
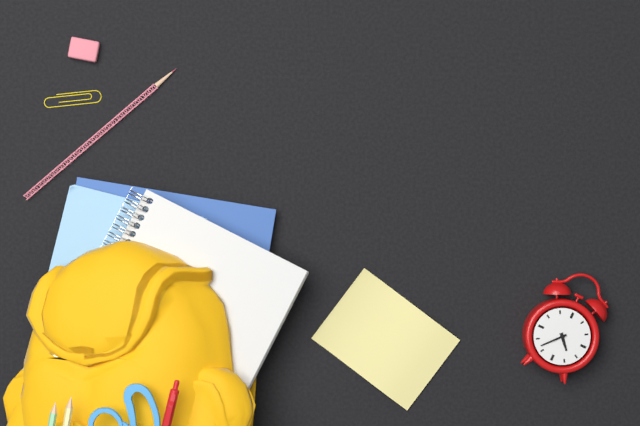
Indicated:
**4:37**
